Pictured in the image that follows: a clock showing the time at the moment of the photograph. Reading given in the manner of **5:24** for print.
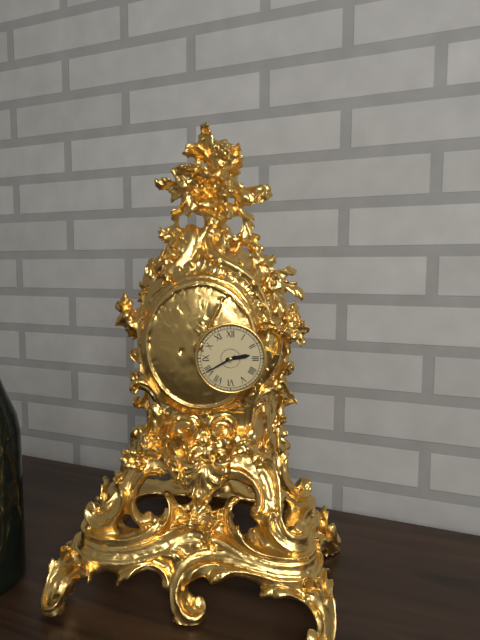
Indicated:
**2:40**
